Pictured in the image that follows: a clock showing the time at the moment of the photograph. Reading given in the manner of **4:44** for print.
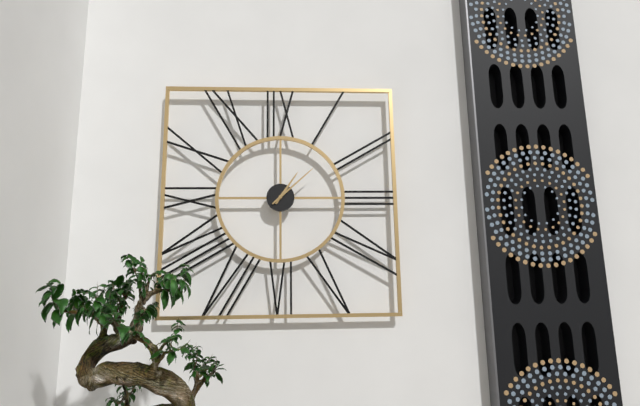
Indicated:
**1:08**
